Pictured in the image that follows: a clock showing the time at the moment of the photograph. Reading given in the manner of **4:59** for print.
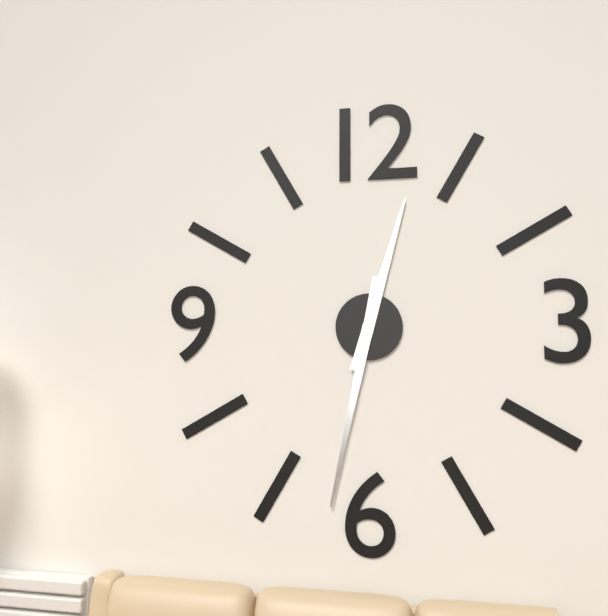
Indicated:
**12:32**
